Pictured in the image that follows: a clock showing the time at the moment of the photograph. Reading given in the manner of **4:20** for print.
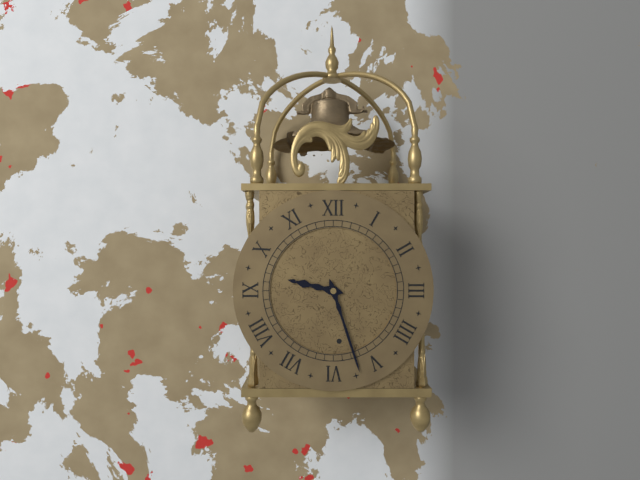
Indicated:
**9:27**
